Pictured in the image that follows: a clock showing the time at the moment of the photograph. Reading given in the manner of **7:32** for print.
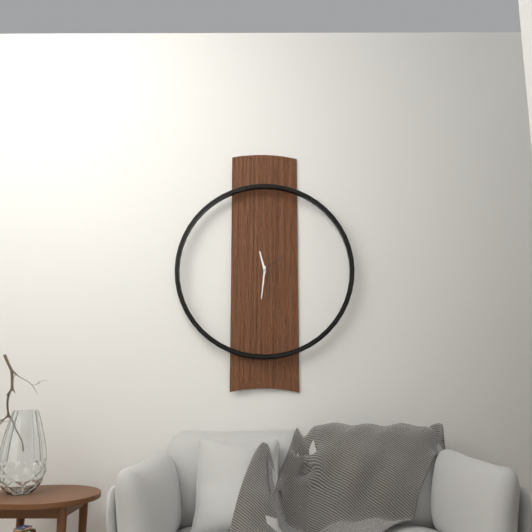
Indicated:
**11:31**
